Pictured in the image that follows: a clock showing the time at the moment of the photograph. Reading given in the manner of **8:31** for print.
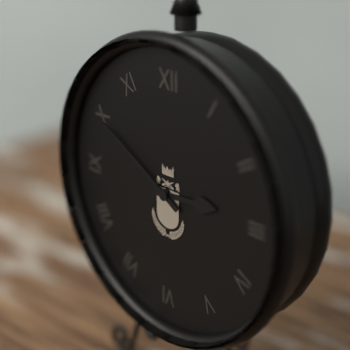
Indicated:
**2:50**
